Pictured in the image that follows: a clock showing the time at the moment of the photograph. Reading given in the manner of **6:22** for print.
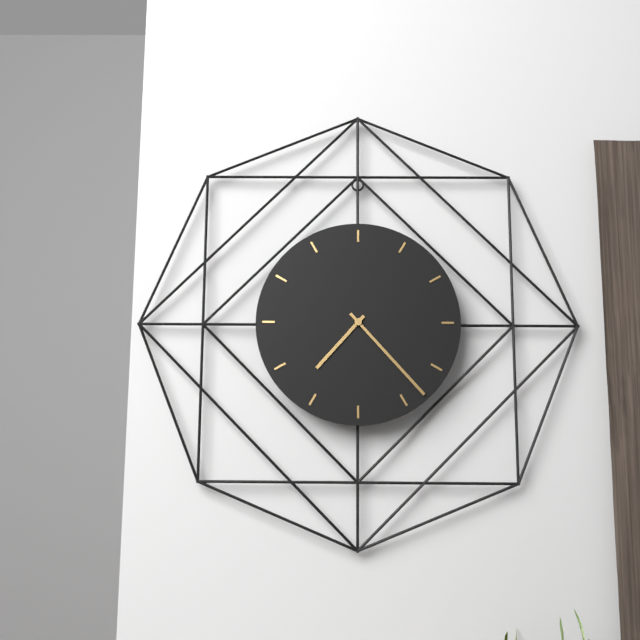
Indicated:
**7:23**
